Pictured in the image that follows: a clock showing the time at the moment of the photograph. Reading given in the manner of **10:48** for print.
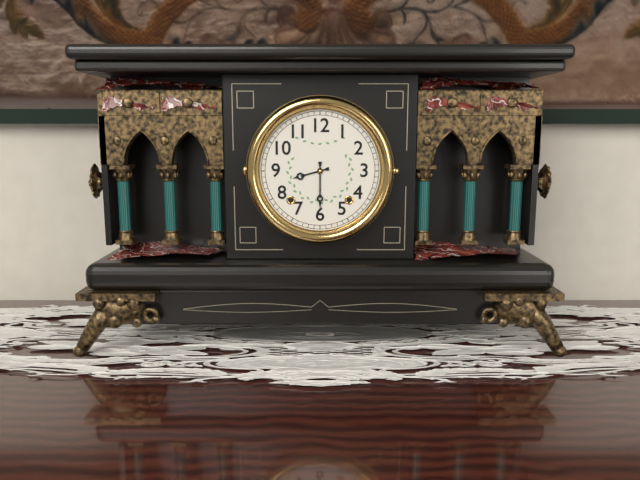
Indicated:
**8:30**
